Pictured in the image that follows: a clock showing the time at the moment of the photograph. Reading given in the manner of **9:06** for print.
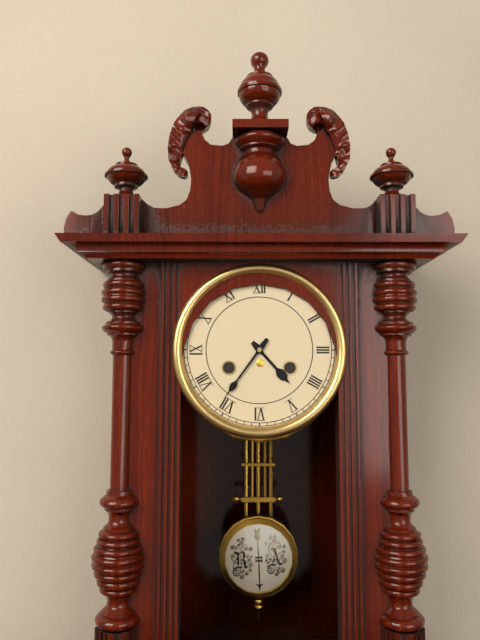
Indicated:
**4:36**
